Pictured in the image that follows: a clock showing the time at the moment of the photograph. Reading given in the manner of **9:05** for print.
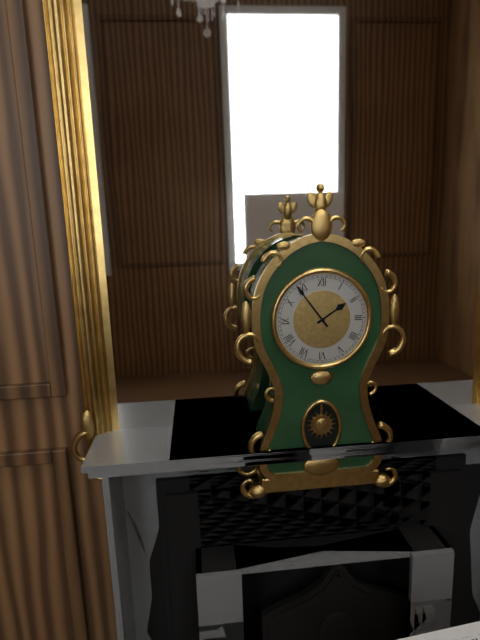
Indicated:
**1:54**
